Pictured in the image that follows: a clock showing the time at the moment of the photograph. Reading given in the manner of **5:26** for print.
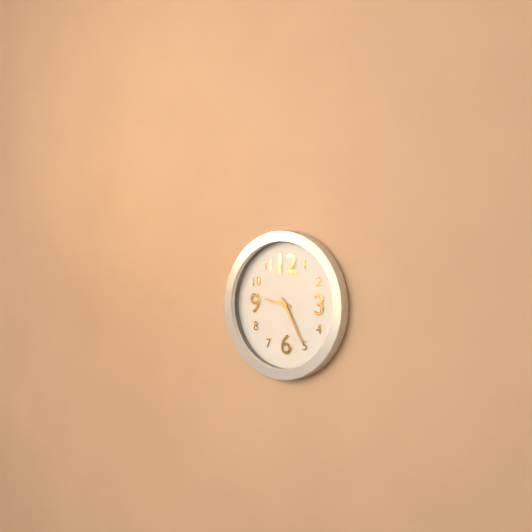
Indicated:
**9:25**
